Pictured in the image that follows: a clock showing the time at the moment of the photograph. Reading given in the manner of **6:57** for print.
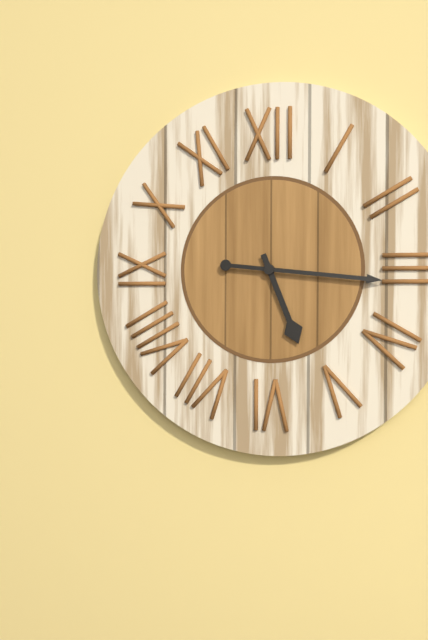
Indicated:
**5:16**
